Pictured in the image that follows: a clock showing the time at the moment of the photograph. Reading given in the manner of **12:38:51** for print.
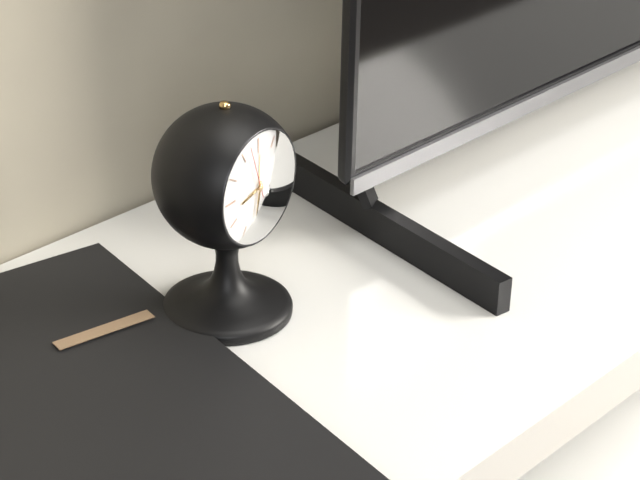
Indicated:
**8:32:57**
